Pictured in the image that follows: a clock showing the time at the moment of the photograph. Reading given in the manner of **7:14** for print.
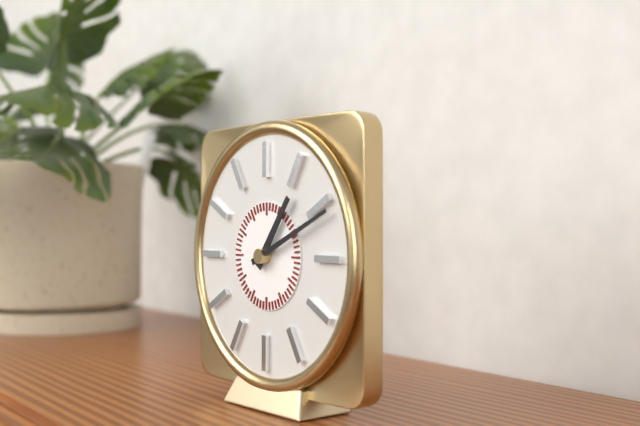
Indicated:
**1:11**
